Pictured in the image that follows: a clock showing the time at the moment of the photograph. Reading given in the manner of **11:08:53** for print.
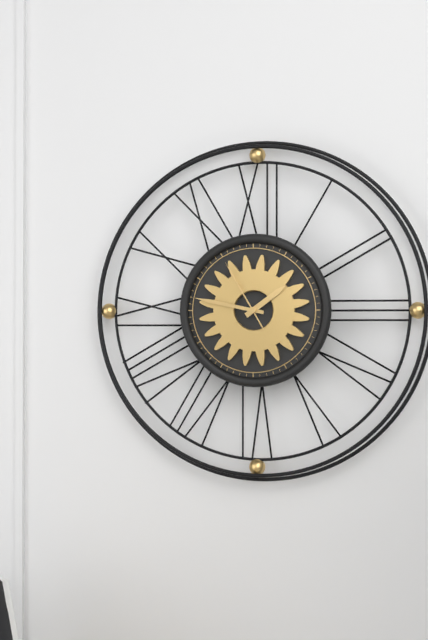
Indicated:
**1:47:55**
